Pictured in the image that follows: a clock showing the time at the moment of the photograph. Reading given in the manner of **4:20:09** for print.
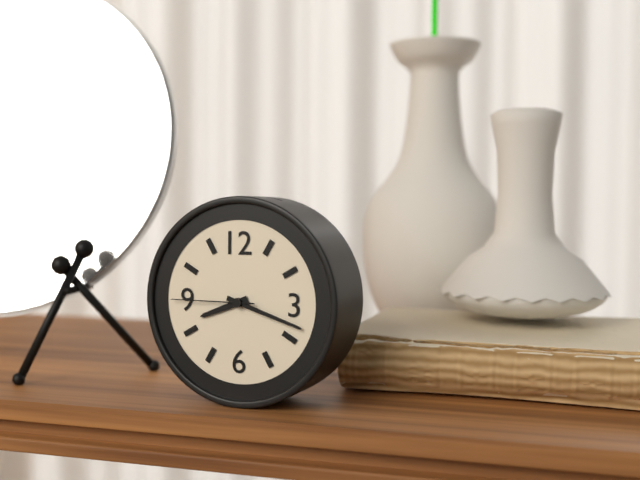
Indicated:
**8:18:45**
